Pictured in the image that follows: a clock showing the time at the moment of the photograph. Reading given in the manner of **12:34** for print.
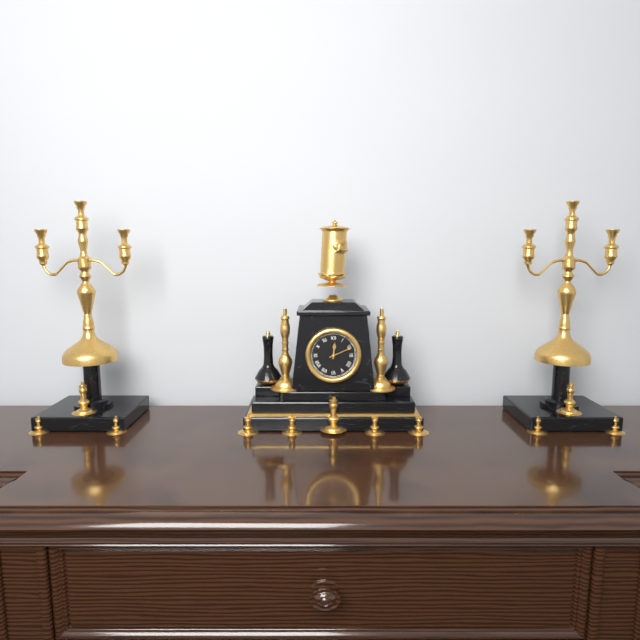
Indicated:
**12:11**
